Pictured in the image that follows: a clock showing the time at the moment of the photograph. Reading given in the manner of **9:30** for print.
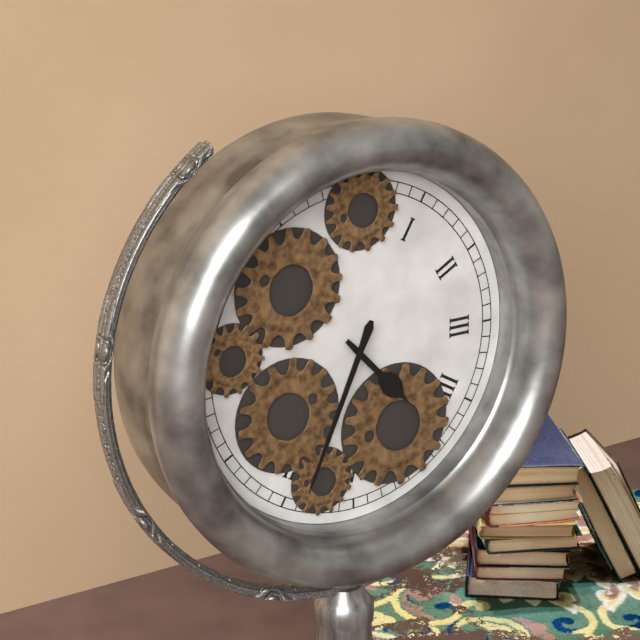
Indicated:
**4:34**
